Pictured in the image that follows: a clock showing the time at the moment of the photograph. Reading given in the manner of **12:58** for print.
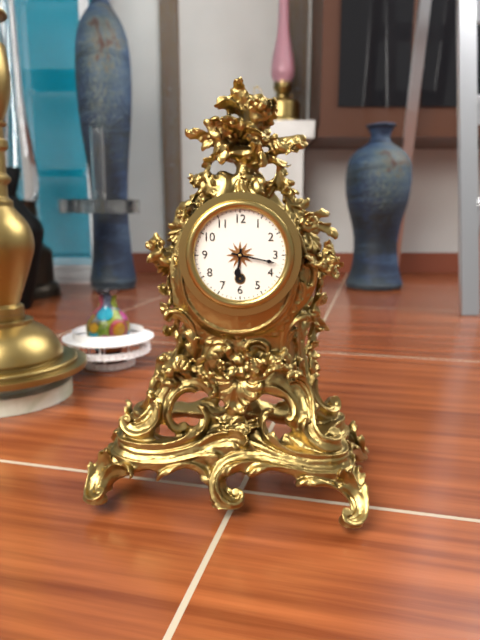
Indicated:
**6:17**
